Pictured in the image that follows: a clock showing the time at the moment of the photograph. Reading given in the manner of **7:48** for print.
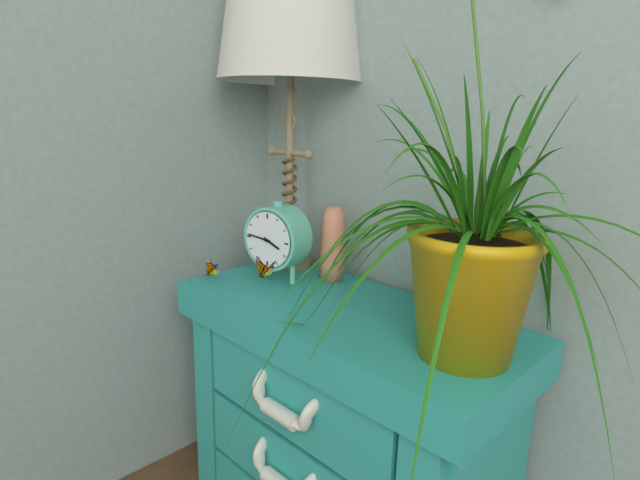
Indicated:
**3:46**
